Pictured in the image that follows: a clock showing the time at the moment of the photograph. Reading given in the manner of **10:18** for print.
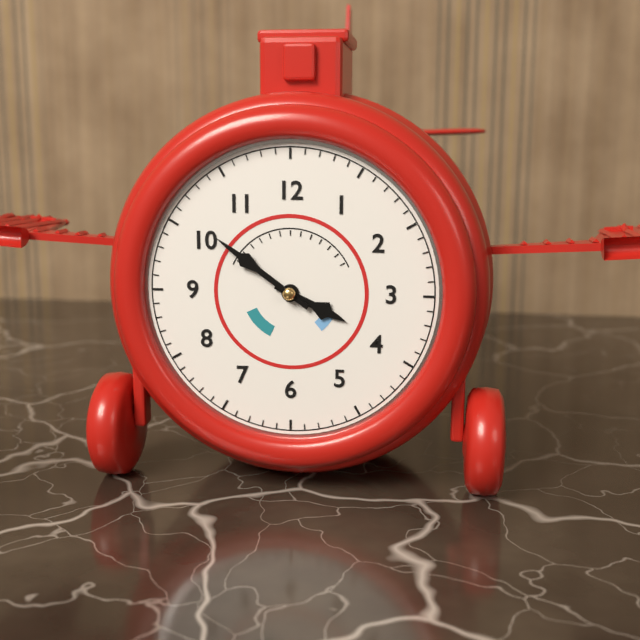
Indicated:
**3:51**
